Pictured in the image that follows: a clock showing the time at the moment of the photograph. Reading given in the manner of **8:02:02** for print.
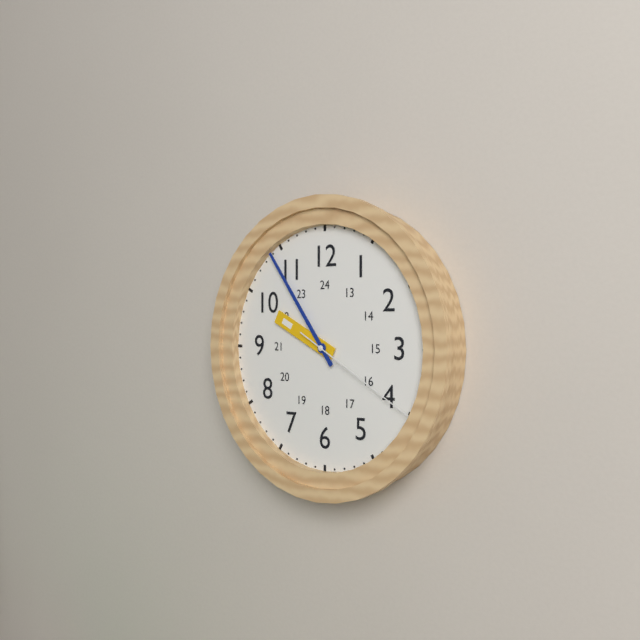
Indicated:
**9:54:20**
